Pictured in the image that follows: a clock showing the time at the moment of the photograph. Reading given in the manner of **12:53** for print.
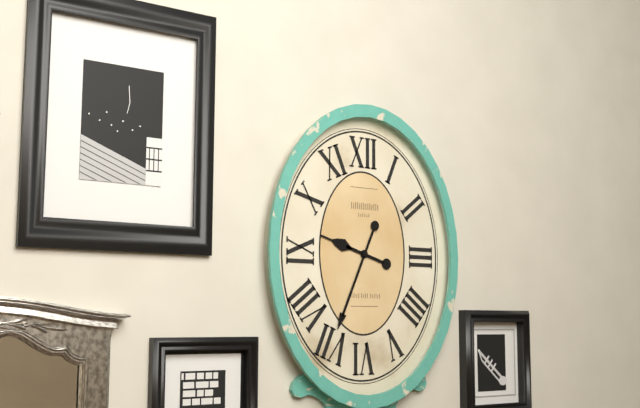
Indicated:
**9:34**
